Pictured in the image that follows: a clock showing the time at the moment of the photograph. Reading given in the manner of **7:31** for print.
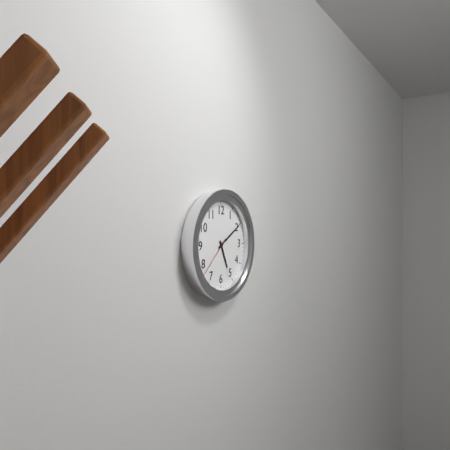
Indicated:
**5:10**
